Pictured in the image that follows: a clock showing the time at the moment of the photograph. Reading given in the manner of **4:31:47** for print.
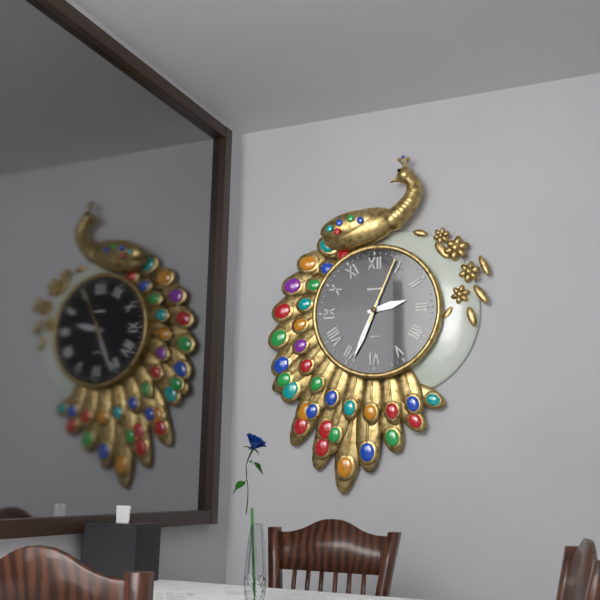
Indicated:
**2:34:04**
